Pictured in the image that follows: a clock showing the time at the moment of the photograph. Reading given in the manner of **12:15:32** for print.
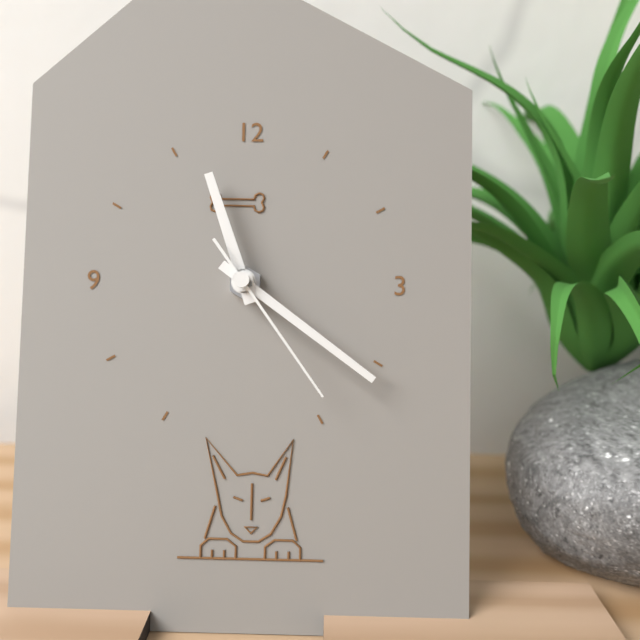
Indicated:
**11:21:24**
